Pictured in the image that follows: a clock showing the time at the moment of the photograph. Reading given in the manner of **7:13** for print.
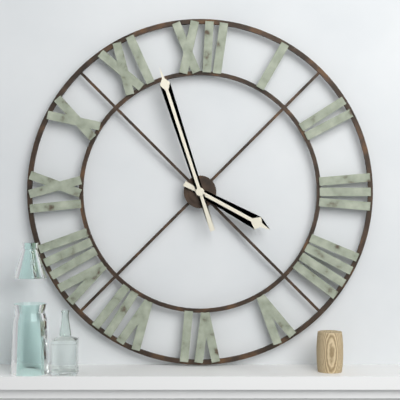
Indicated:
**3:57**
